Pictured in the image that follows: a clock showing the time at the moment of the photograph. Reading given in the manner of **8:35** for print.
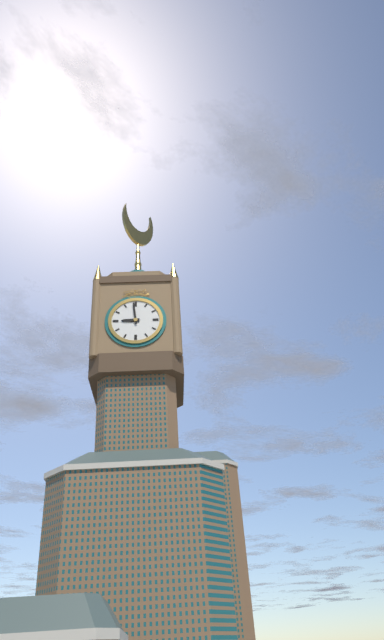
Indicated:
**8:59**
